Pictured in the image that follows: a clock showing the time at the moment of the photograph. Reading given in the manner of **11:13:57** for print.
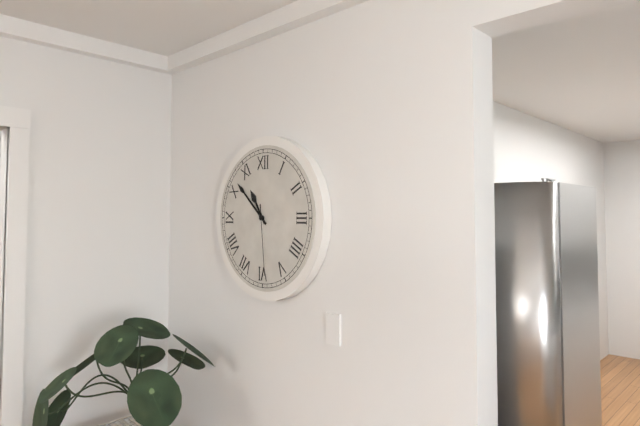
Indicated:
**10:52:29**
